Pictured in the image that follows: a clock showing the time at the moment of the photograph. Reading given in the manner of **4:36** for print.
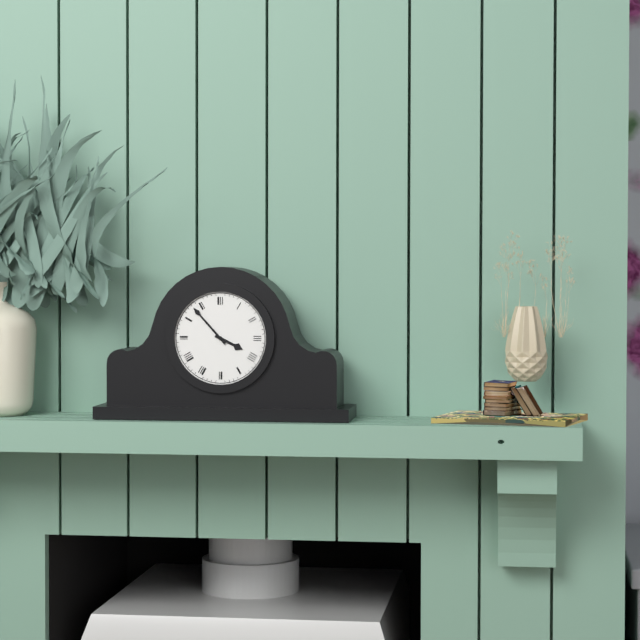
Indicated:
**3:53**
